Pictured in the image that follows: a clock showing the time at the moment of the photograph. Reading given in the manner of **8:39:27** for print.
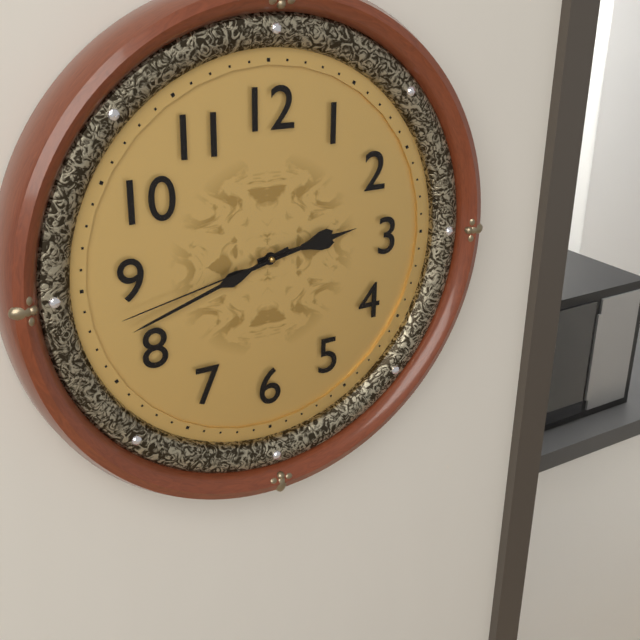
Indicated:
**2:42:43**
